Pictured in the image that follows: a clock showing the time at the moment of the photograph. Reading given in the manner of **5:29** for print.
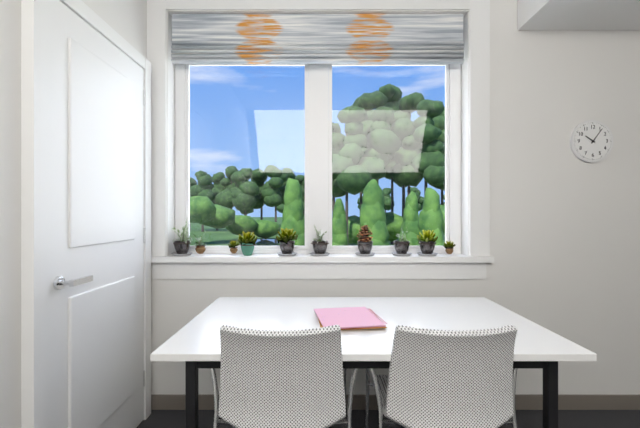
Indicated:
**10:06**
